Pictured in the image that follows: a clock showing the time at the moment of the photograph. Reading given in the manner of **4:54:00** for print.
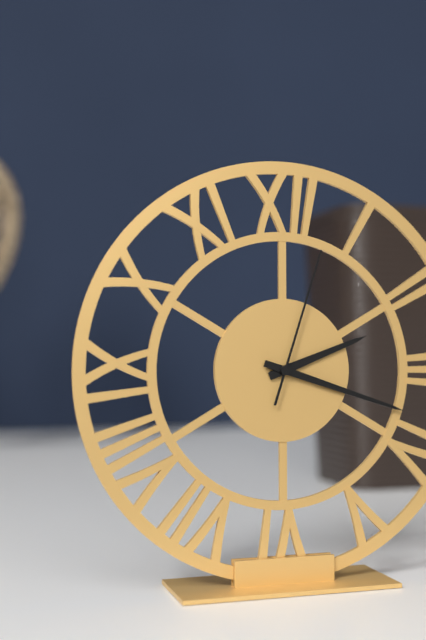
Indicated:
**2:18:03**
